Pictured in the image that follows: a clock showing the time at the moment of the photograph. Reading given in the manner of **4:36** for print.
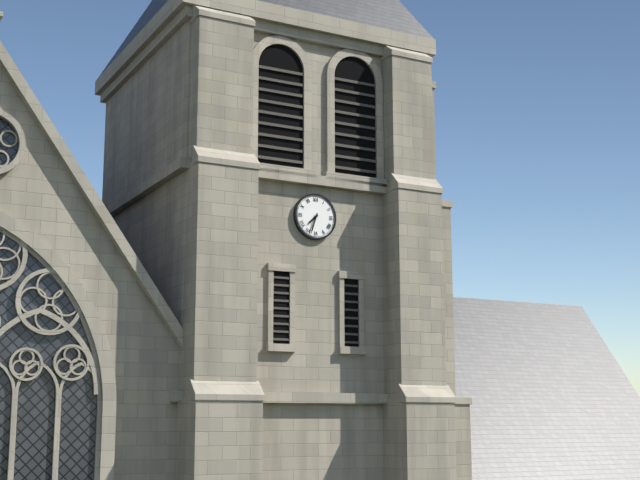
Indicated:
**7:33**
